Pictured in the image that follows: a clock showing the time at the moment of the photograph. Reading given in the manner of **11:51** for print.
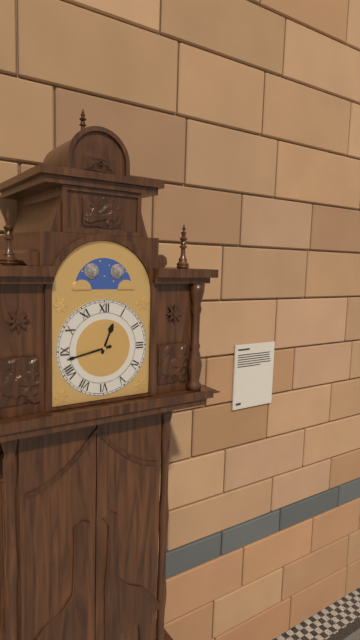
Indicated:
**12:43**
